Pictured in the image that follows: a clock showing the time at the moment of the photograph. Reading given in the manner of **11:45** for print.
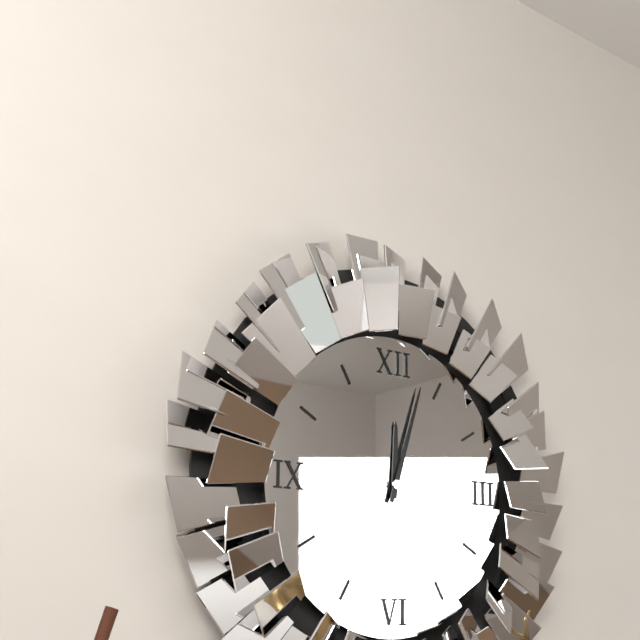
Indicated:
**12:03**
